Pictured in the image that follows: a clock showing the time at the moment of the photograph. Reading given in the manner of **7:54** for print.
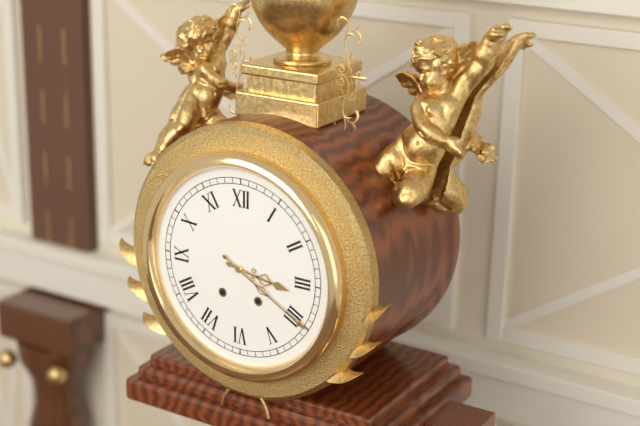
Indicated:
**3:20**
